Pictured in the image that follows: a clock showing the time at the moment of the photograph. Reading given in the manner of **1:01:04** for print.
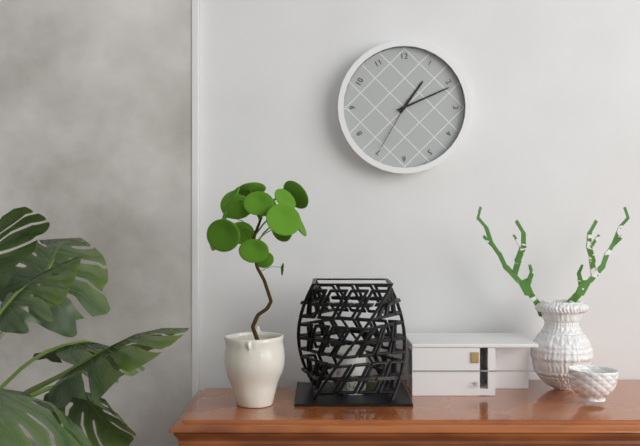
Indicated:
**1:11:35**
